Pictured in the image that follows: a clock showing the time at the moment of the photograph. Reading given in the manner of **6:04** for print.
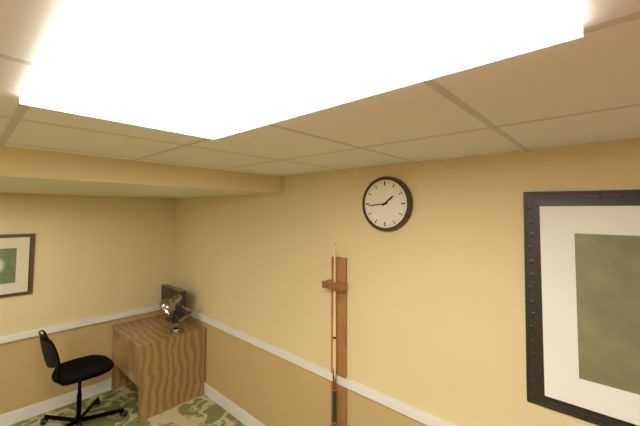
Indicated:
**1:44**
